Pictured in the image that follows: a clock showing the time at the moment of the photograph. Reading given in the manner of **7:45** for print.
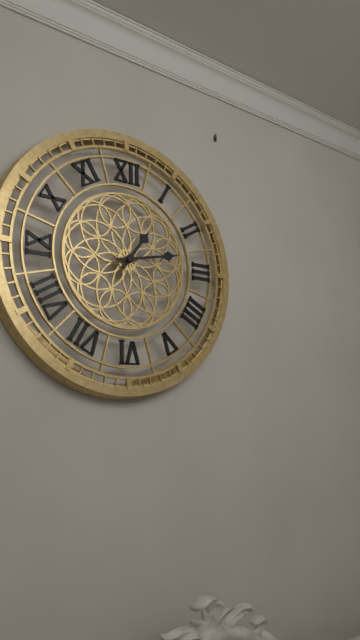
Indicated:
**1:13**
